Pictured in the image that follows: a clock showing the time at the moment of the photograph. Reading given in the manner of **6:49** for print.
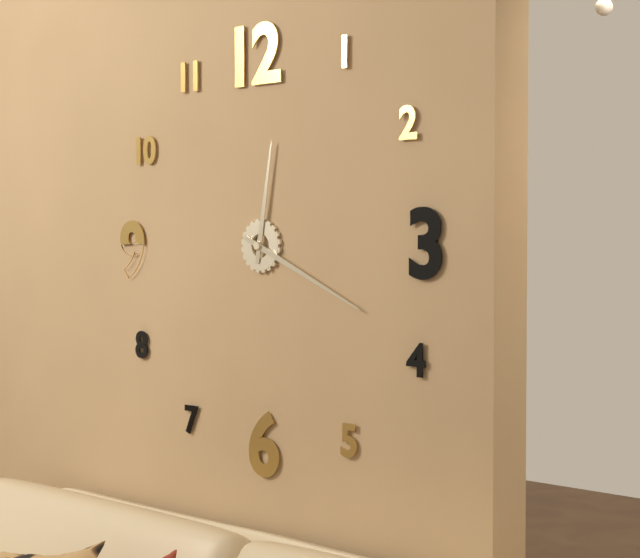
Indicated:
**12:19**
